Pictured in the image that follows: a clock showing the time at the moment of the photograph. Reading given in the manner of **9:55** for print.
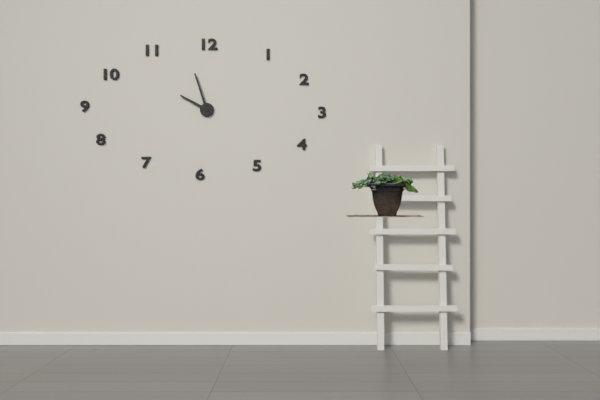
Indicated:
**9:57**
